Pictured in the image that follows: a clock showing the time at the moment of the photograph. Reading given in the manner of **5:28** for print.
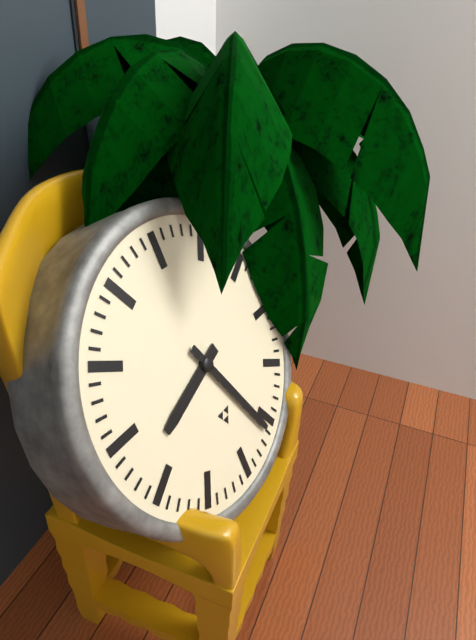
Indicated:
**8:26**
